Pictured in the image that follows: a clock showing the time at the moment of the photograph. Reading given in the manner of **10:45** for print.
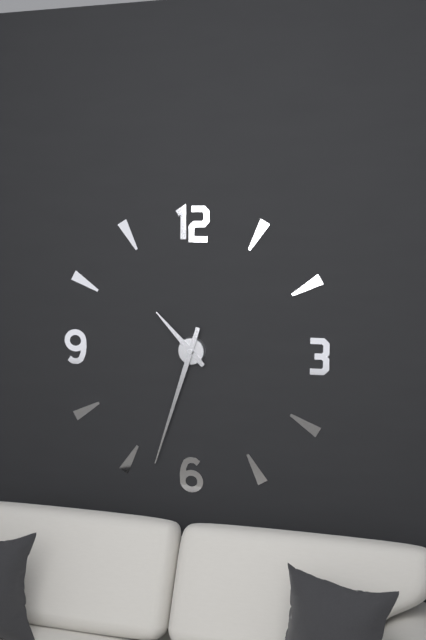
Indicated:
**10:33**
